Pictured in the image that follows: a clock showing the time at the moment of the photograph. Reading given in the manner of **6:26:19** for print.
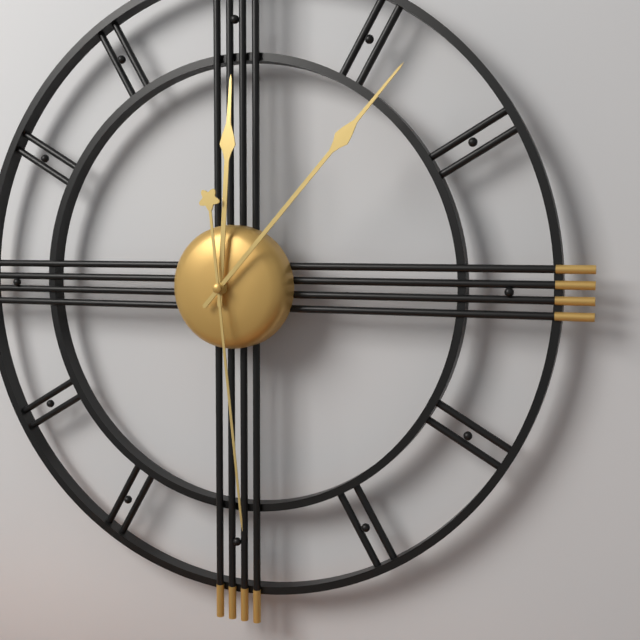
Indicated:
**12:07:29**
